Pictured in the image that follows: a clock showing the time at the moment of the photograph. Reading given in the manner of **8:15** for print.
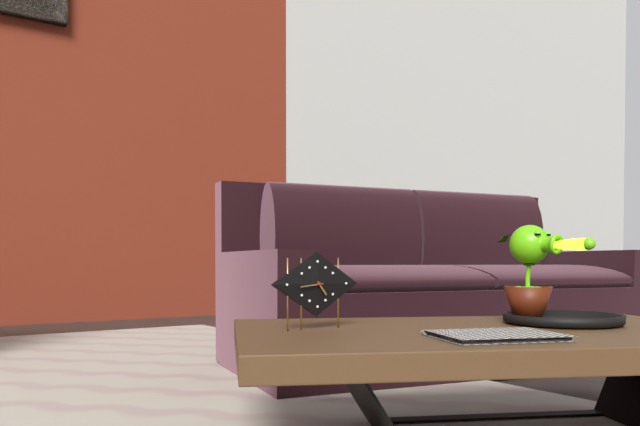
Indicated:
**4:44**
